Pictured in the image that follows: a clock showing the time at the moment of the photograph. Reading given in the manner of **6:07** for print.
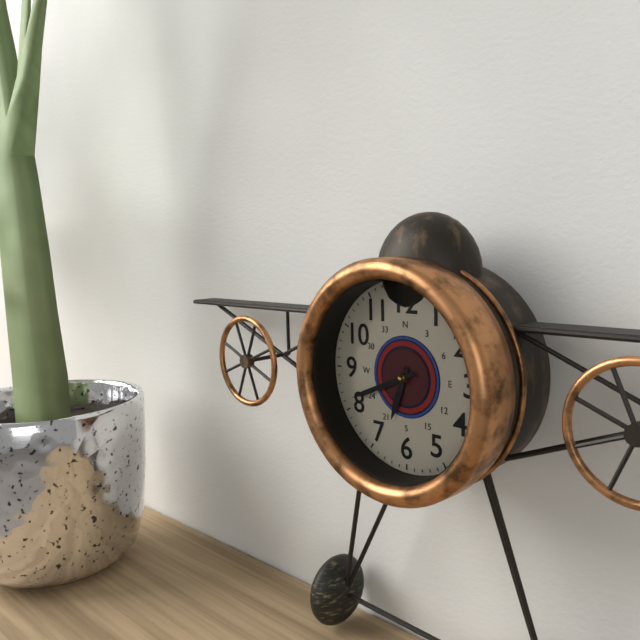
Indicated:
**6:41**
